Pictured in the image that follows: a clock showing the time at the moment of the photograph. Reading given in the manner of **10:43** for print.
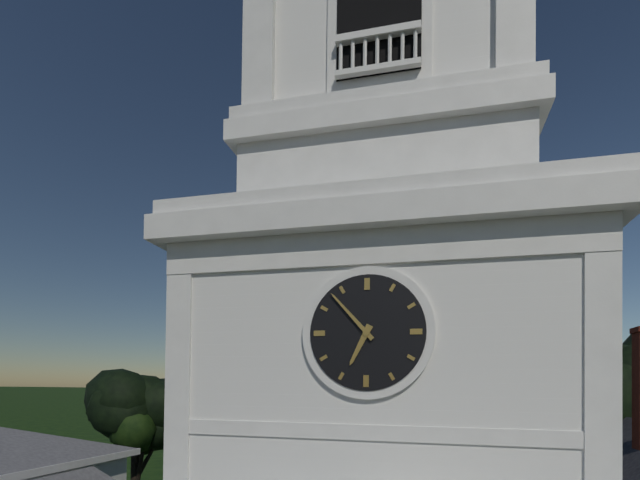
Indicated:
**6:53**
